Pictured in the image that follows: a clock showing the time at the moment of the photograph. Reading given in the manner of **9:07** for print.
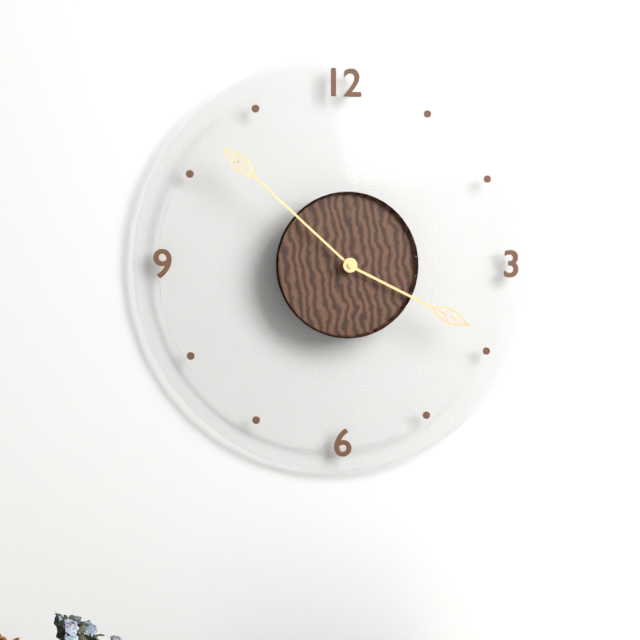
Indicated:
**3:52**
